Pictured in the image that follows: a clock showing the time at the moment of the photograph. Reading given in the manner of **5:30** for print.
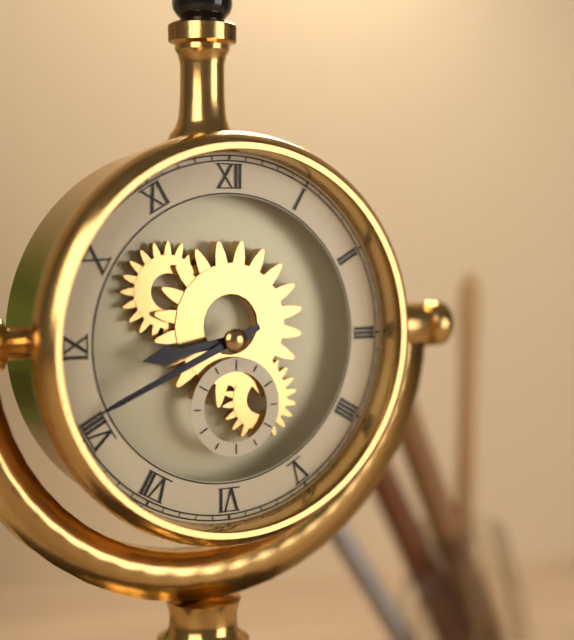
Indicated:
**8:41**
